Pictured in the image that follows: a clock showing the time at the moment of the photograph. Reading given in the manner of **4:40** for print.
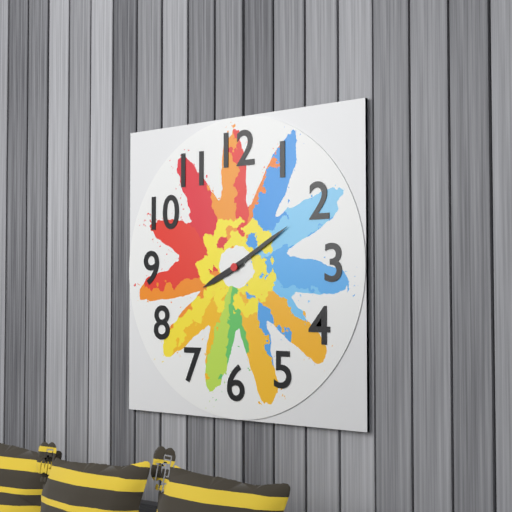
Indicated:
**8:10**
